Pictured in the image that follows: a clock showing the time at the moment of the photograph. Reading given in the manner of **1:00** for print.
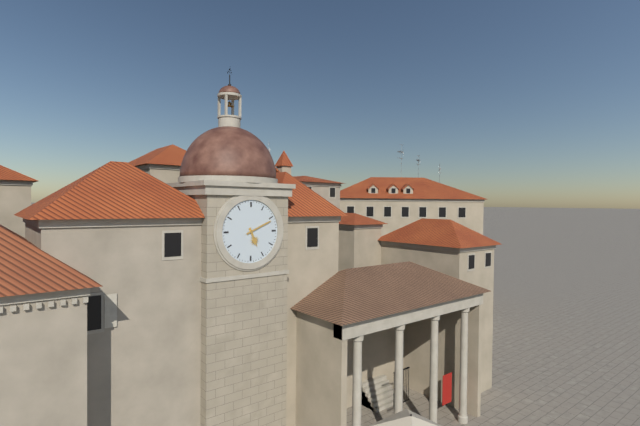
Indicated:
**5:11**
